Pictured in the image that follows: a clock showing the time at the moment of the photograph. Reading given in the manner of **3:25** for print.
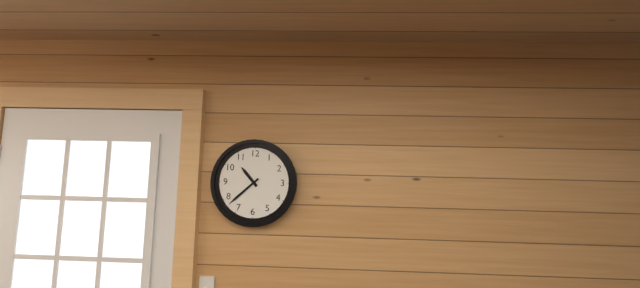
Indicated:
**10:38**
